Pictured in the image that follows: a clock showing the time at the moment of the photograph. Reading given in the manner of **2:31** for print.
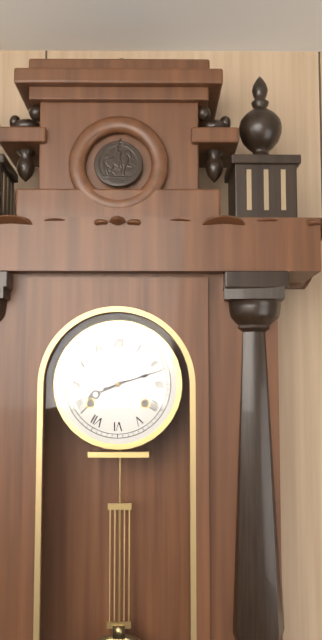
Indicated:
**8:12**
